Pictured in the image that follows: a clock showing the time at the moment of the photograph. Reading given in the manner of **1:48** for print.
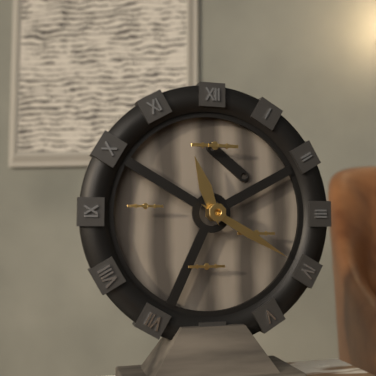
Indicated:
**11:20**
